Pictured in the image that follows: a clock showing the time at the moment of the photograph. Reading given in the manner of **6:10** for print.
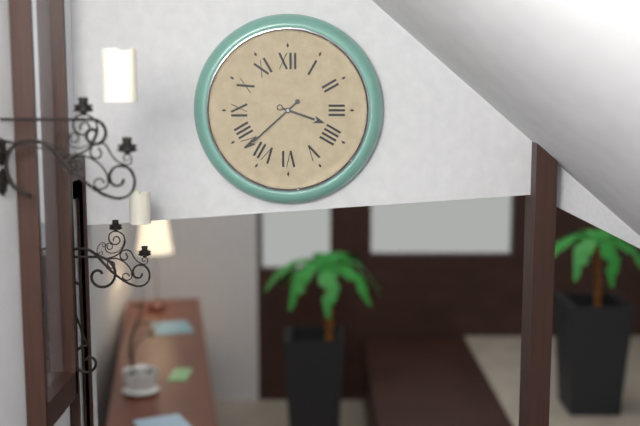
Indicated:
**3:38**
